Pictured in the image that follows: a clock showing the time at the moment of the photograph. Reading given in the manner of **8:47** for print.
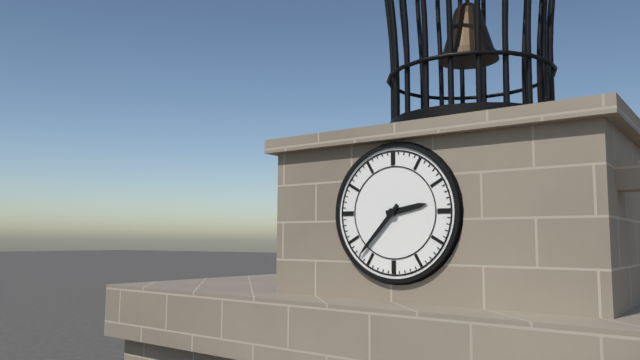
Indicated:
**2:37**
